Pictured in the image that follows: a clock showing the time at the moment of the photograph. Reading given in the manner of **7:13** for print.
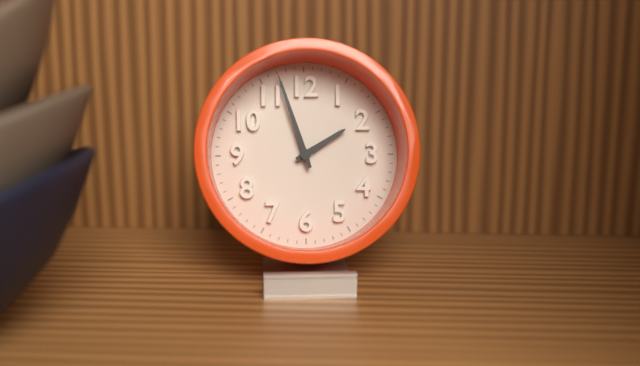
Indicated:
**1:57**
